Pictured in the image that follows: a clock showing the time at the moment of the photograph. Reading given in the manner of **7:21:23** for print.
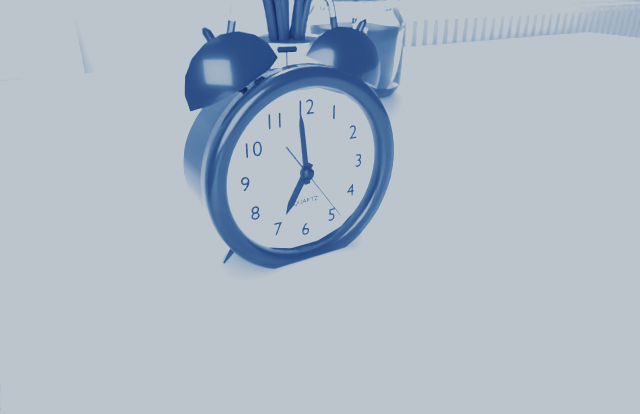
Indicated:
**6:59:24**
